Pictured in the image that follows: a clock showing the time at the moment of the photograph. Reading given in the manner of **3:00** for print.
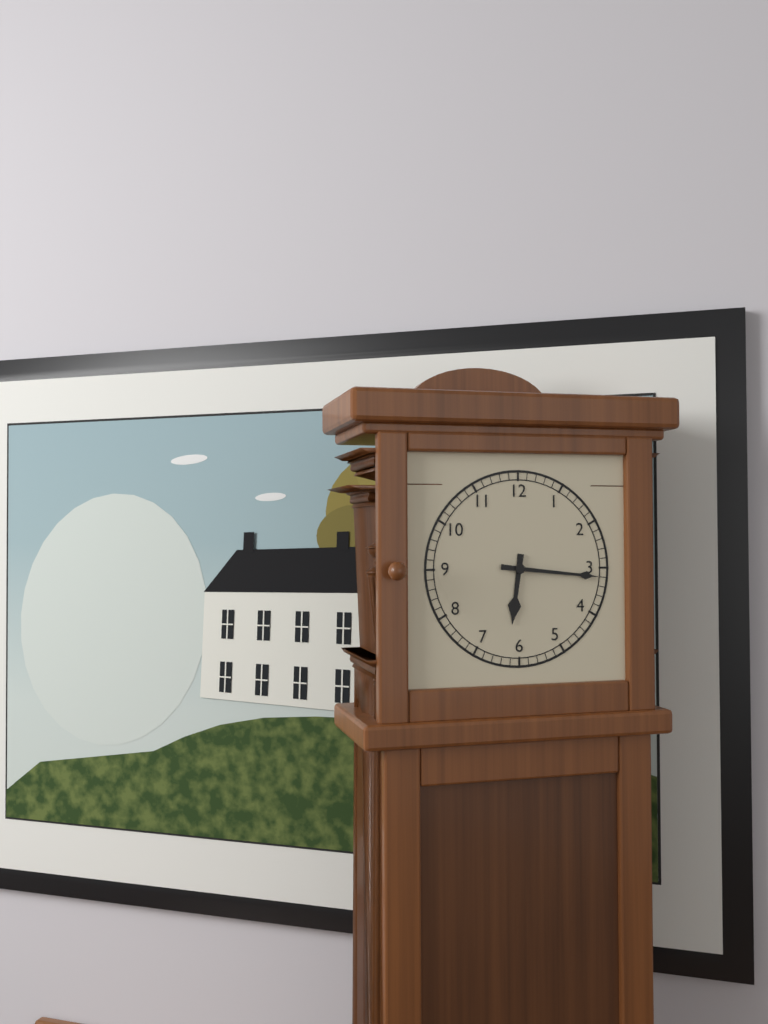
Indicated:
**6:16**
